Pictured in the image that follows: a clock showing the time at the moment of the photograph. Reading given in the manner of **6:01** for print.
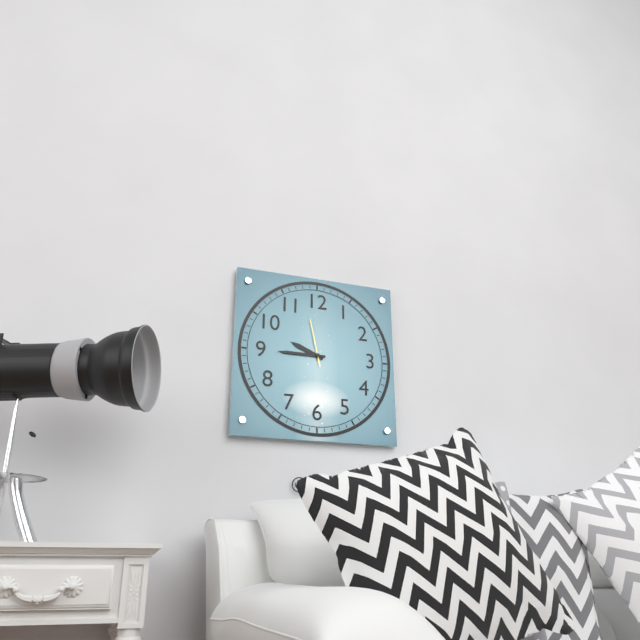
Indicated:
**9:45**
